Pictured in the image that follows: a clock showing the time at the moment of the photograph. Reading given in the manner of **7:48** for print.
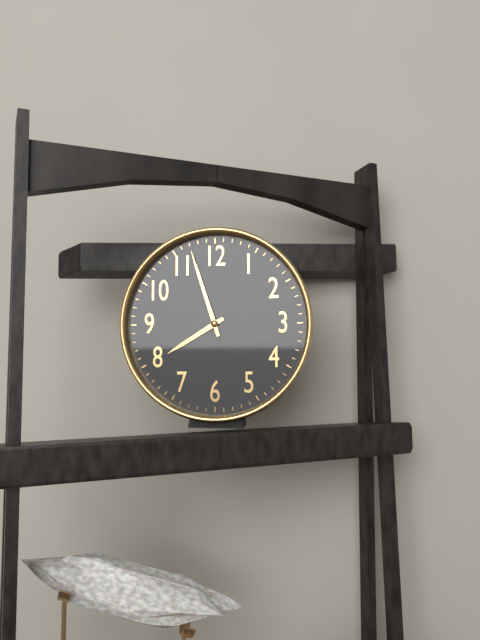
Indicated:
**7:57**
